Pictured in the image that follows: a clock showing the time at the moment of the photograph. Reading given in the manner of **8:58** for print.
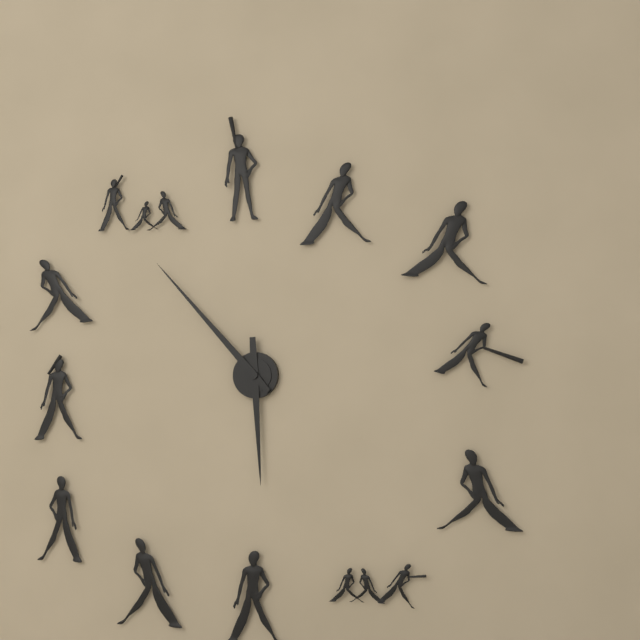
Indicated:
**5:53**
